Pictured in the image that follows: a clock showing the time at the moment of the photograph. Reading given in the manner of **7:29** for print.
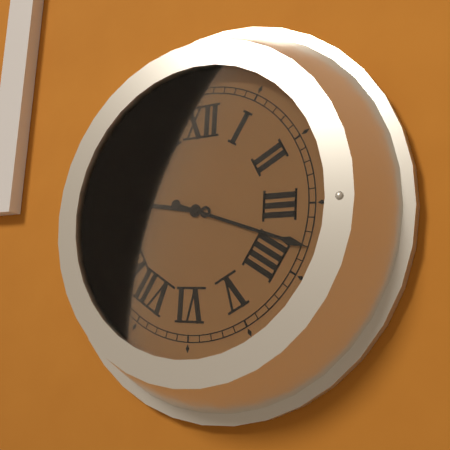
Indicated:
**9:18**
